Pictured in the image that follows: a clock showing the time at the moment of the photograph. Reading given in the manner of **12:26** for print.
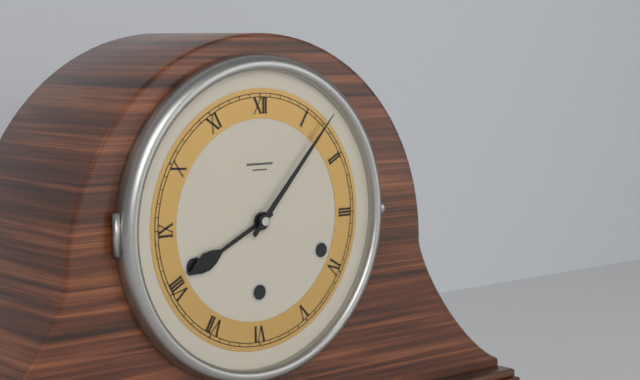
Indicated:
**8:07**
